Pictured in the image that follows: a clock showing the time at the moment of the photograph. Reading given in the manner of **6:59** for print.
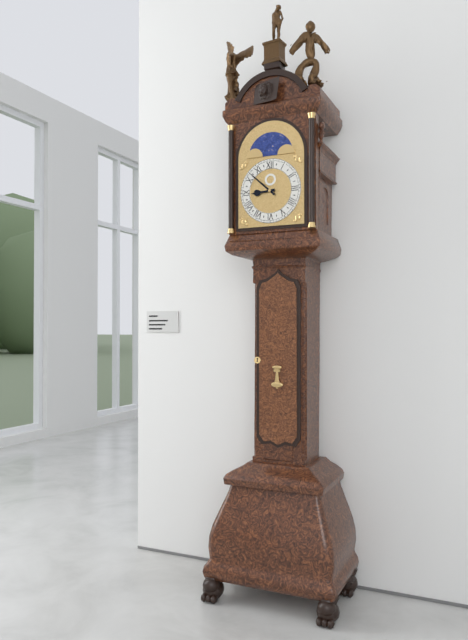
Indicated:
**8:52**
